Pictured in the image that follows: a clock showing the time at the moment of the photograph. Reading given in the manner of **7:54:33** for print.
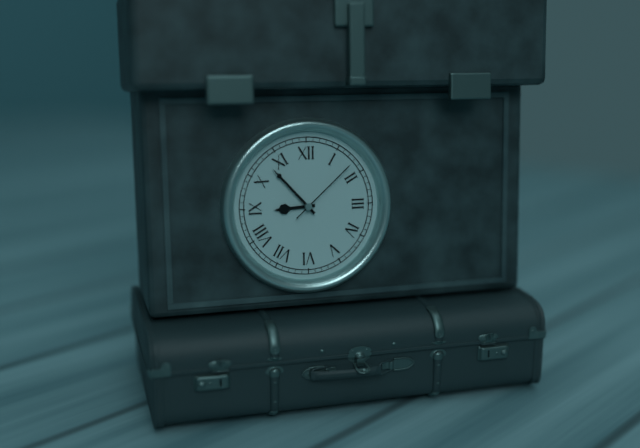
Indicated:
**8:53:08**
